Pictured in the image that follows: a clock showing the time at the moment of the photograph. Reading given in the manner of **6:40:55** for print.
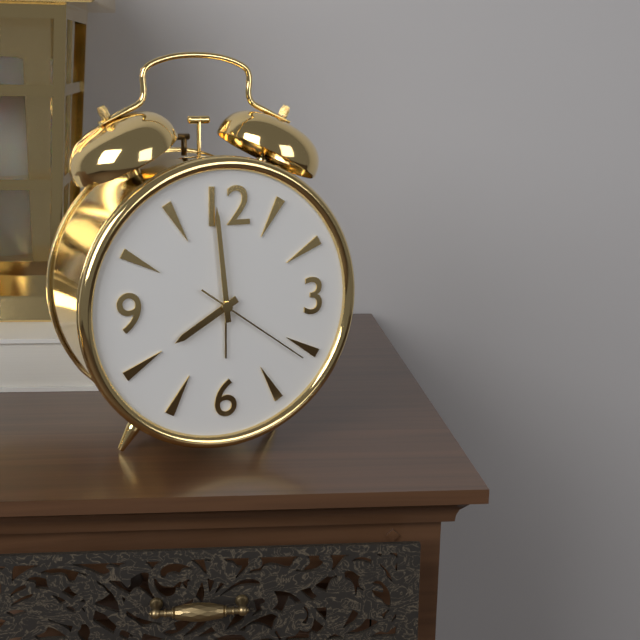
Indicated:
**7:59:21**
